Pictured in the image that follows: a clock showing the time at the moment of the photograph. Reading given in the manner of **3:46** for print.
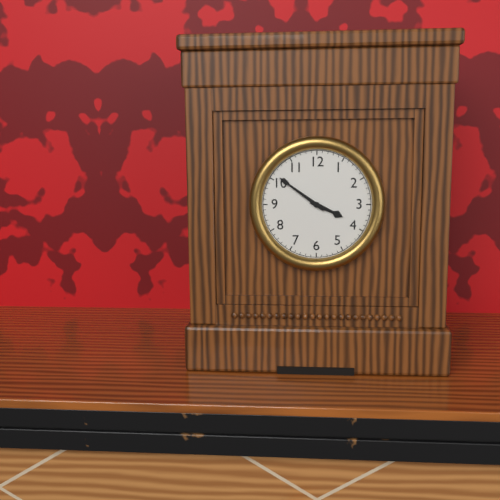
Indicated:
**3:51**
